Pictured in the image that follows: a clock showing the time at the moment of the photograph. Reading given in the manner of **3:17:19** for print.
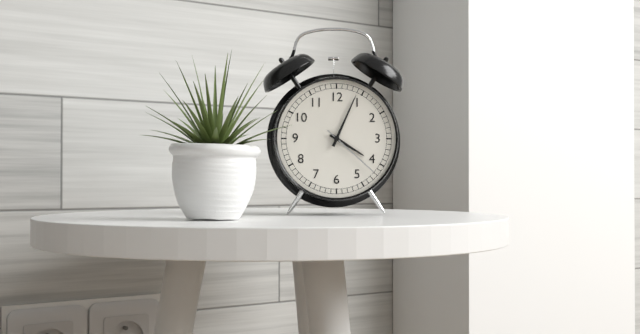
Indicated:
**4:04:22**
